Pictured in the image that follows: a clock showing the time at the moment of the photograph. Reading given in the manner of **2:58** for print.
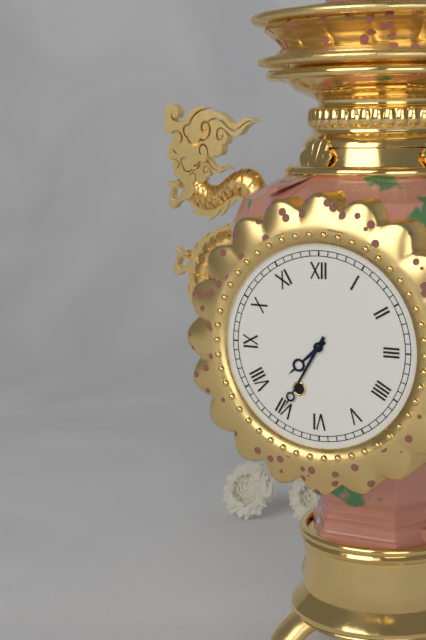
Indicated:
**7:35**
